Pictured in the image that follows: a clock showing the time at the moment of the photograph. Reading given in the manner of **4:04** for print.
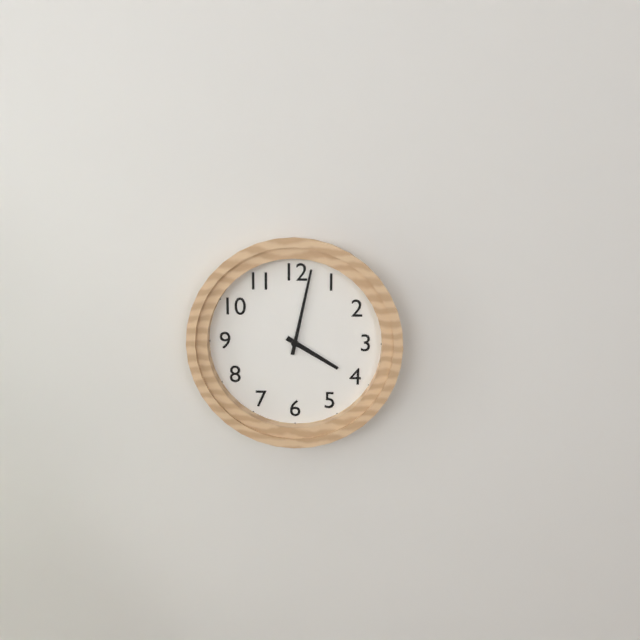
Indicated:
**4:02**
